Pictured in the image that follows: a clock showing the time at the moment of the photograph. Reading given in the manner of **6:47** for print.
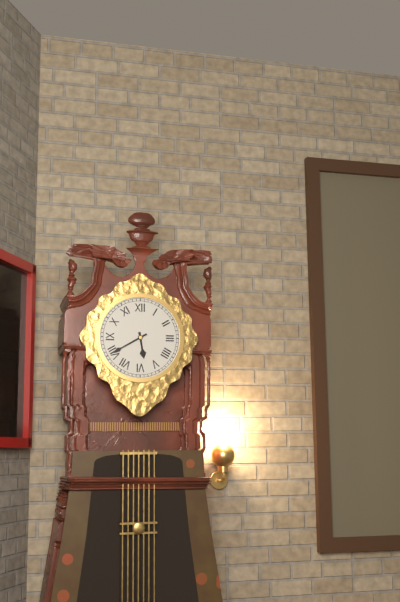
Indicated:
**5:40**
